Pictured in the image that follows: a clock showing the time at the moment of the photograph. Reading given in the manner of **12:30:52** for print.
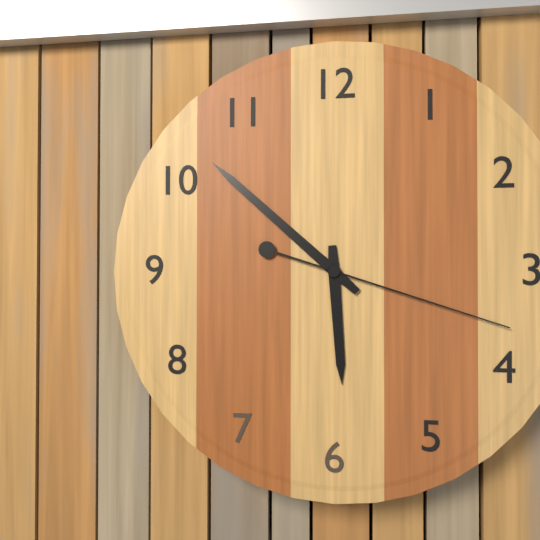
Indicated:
**5:52:18**
